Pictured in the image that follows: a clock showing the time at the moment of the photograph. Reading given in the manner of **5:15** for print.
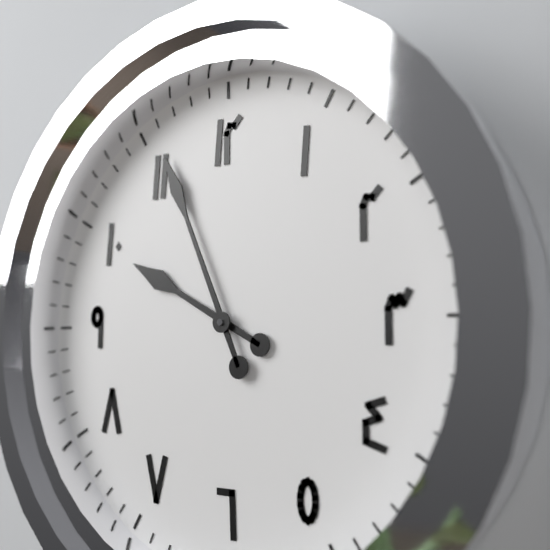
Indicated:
**9:56**
